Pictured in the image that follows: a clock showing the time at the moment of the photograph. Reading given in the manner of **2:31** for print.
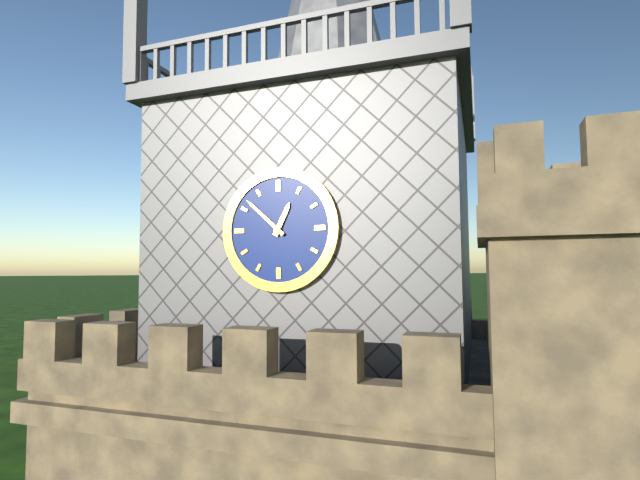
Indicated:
**12:52**
